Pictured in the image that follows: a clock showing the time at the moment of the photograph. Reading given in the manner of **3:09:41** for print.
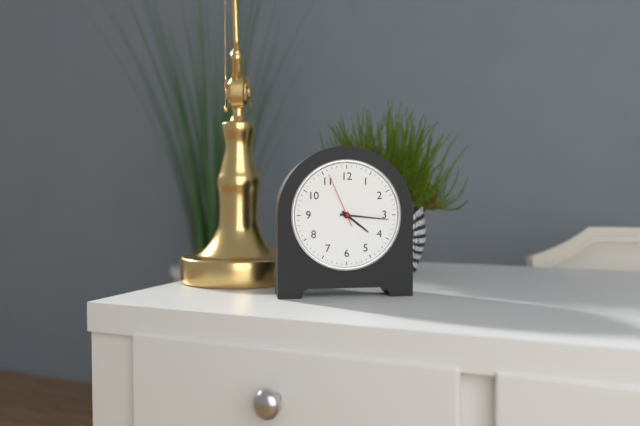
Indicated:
**4:16:56**
